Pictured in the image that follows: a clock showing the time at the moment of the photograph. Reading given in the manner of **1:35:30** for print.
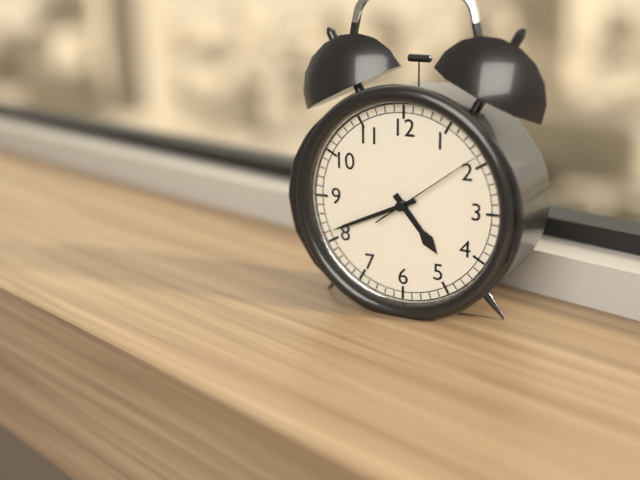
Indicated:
**4:41:09**
